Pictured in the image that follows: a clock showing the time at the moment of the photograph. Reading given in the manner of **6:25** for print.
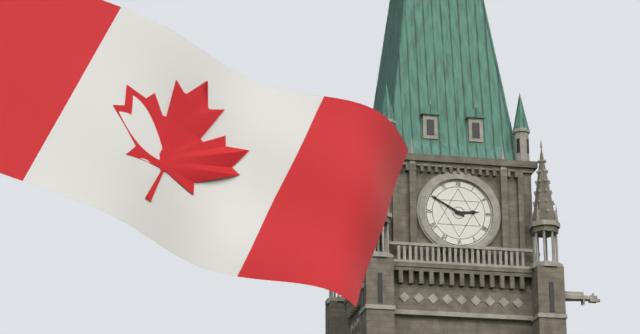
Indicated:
**2:50**
